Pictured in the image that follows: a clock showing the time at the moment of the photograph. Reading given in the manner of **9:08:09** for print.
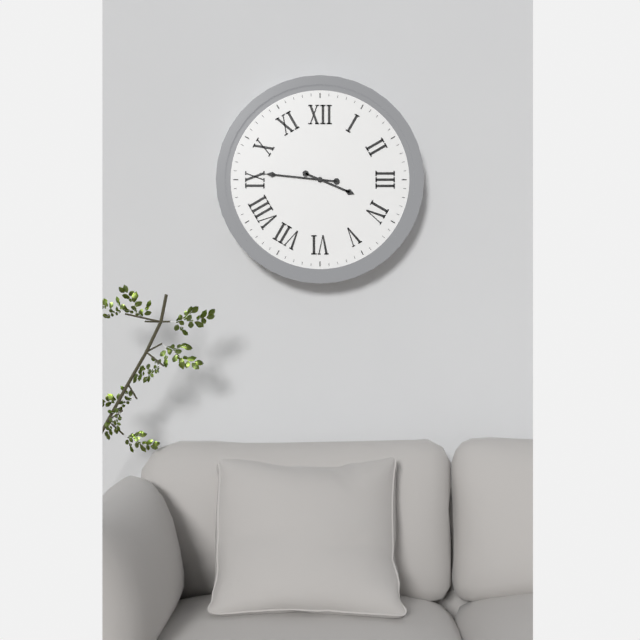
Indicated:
**3:46:46**
